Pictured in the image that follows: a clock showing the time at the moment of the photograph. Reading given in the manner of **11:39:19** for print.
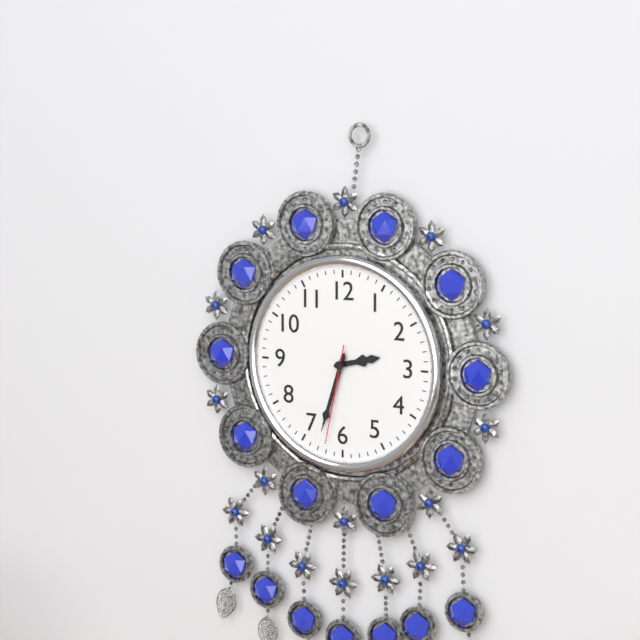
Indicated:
**2:33:32**
